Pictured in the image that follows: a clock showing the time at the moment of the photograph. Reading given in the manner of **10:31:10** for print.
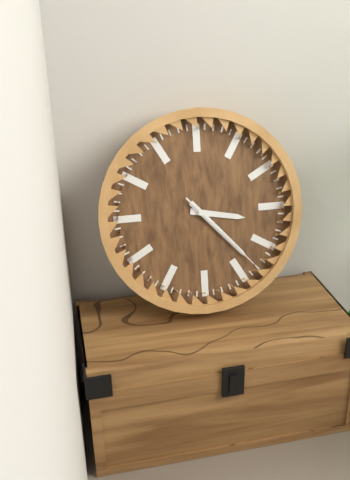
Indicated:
**3:23:23**
